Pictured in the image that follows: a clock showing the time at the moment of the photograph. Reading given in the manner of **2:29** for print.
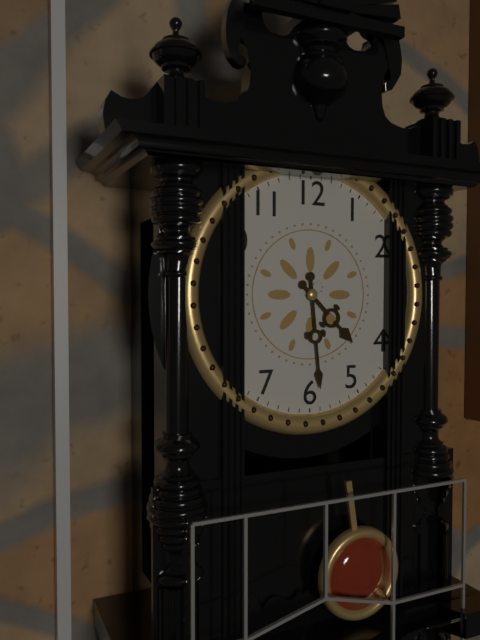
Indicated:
**4:29**
